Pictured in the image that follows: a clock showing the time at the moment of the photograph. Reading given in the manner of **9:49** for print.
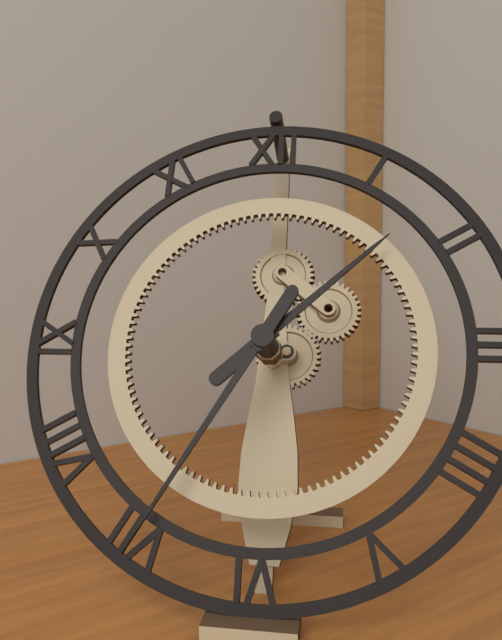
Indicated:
**1:35**
